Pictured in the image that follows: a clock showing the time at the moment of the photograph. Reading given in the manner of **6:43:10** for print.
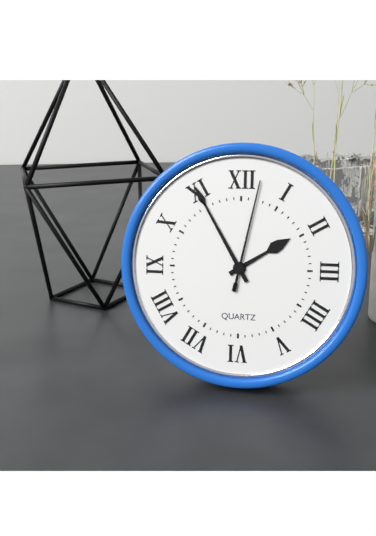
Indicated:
**1:55:02**
